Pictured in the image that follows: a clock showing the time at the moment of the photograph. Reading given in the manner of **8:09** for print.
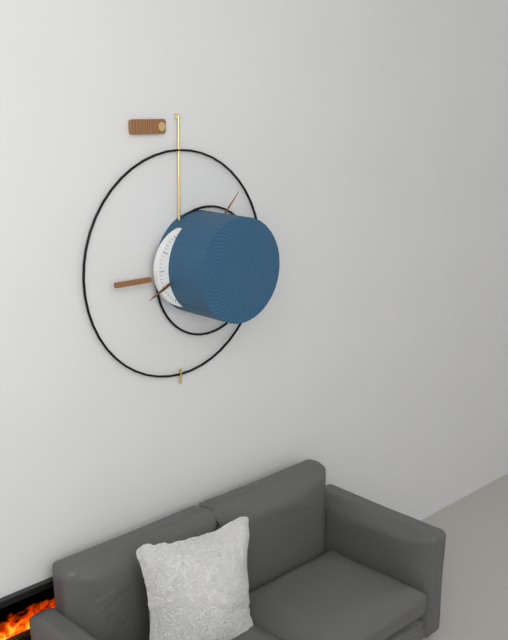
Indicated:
**8:07**
